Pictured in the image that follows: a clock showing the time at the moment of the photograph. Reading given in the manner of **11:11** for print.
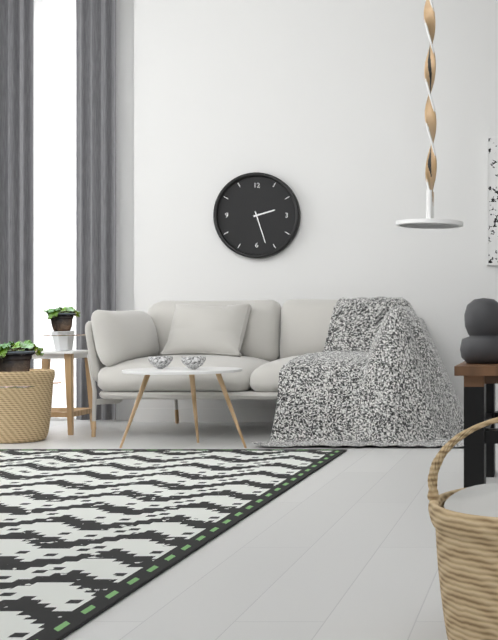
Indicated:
**2:27**
